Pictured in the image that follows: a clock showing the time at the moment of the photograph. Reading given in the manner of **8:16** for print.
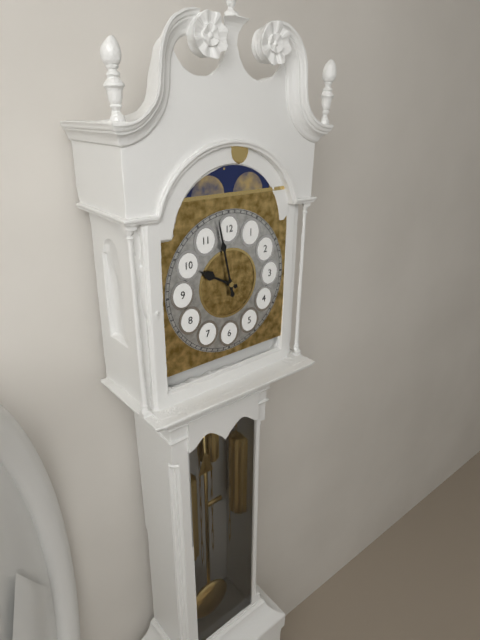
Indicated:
**9:58**
